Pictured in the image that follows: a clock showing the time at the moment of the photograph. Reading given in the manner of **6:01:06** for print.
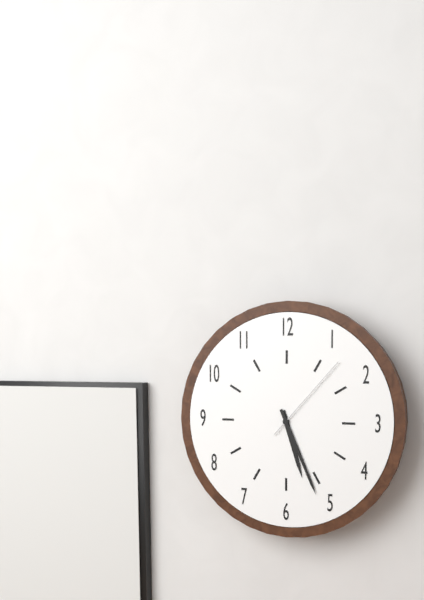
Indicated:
**5:26:07**
